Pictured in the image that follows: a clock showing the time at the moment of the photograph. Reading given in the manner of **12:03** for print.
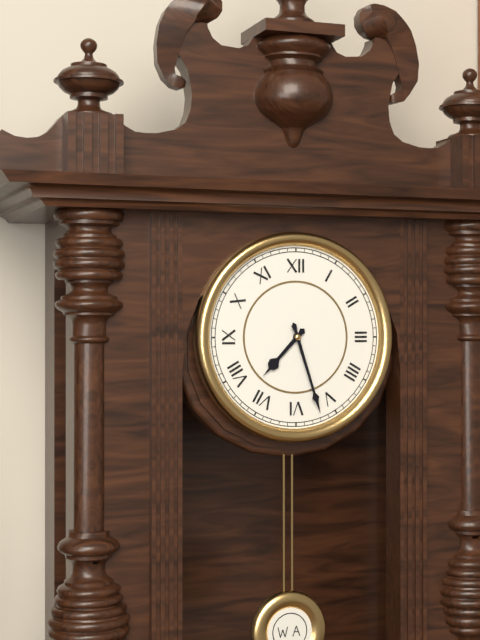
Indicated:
**7:27**
